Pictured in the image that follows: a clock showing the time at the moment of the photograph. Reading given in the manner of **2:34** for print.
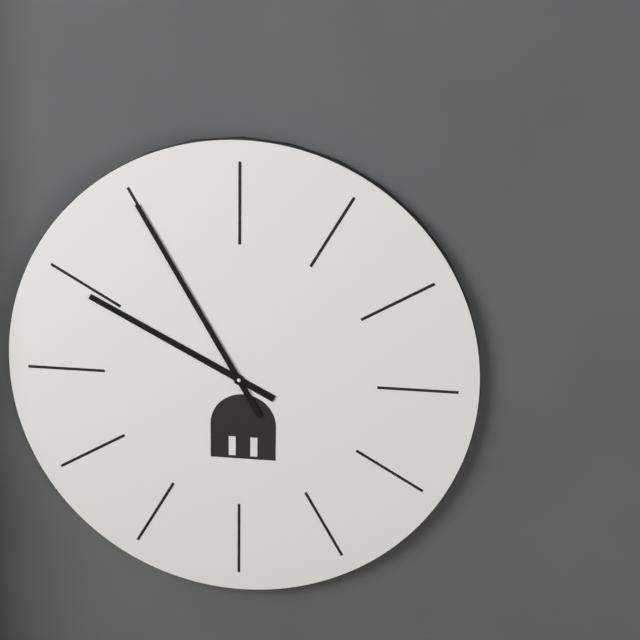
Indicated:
**9:55**
